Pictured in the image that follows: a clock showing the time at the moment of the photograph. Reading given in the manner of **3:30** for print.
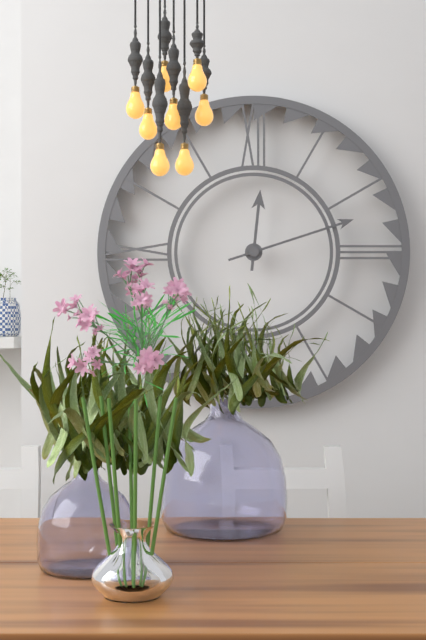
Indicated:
**12:12**
